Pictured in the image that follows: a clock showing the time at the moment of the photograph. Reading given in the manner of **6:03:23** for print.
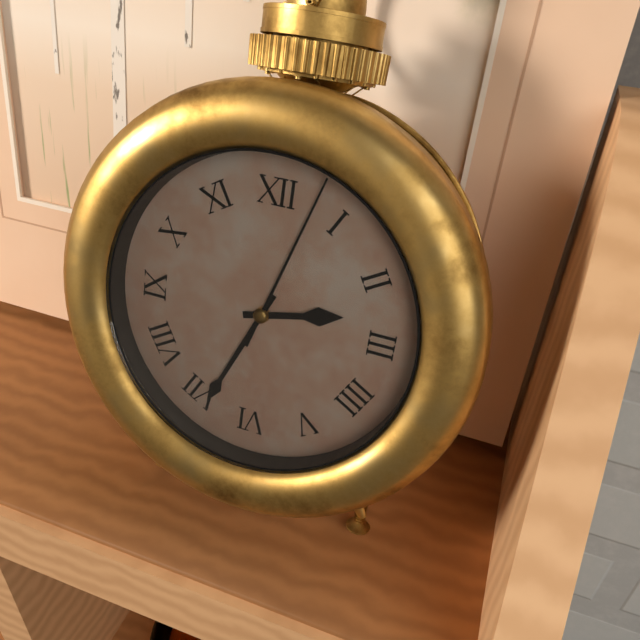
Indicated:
**2:34:03**
